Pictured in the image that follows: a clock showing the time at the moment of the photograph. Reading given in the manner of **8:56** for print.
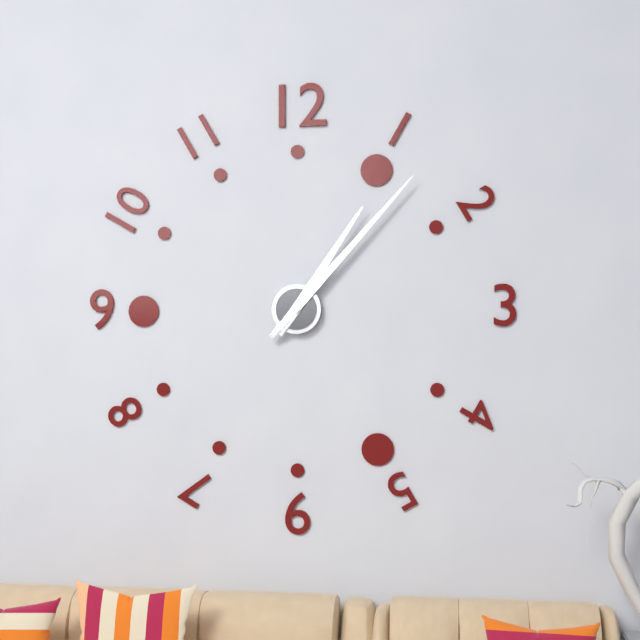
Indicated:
**1:07**
